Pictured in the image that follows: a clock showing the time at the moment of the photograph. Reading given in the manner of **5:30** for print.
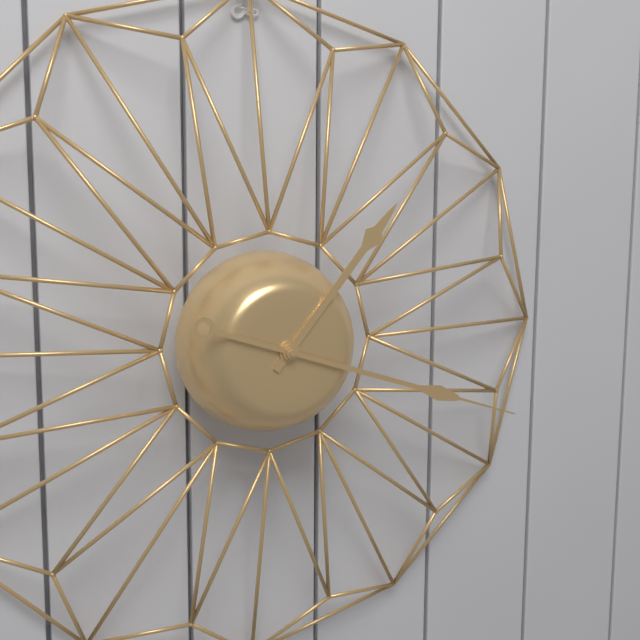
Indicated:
**1:18**
